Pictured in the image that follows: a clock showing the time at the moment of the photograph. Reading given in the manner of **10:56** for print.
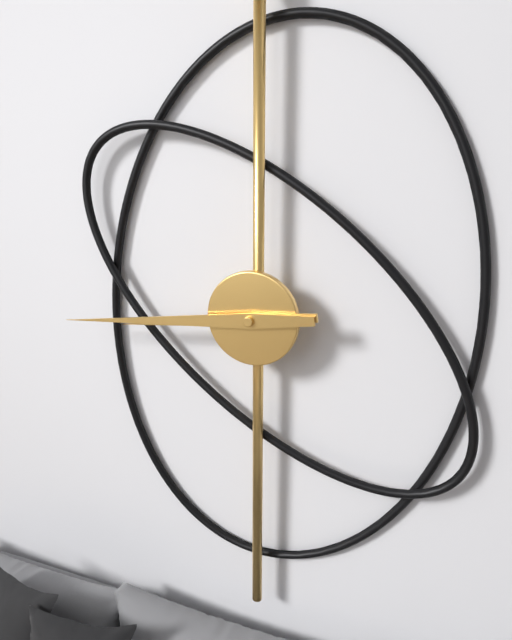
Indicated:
**8:44**
